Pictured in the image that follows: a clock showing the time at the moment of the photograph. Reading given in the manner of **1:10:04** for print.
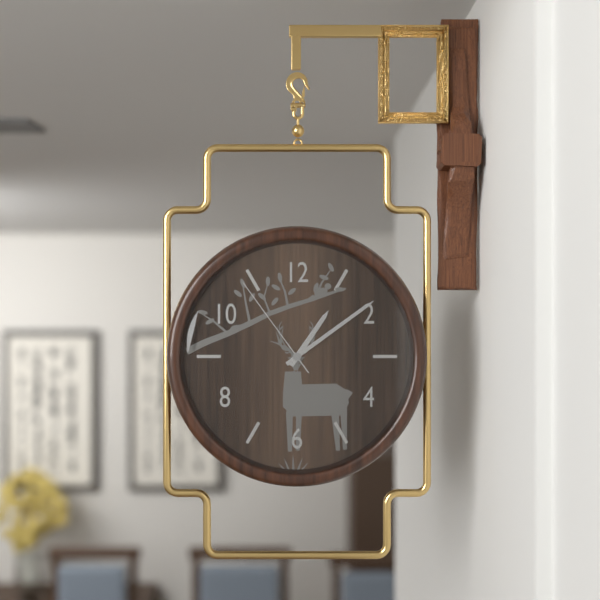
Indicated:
**1:09:54**
